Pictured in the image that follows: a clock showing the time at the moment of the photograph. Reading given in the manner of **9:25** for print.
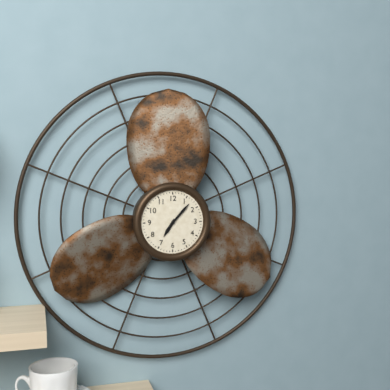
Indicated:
**7:07**
